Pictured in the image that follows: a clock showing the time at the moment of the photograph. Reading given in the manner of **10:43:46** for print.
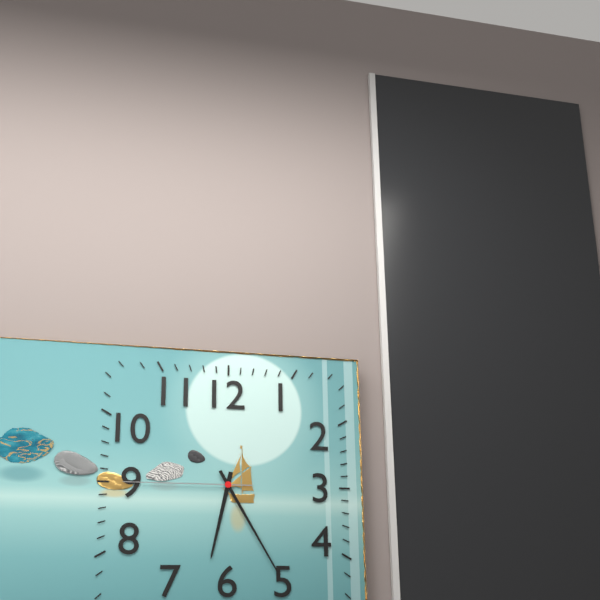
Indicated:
**6:25:45**
